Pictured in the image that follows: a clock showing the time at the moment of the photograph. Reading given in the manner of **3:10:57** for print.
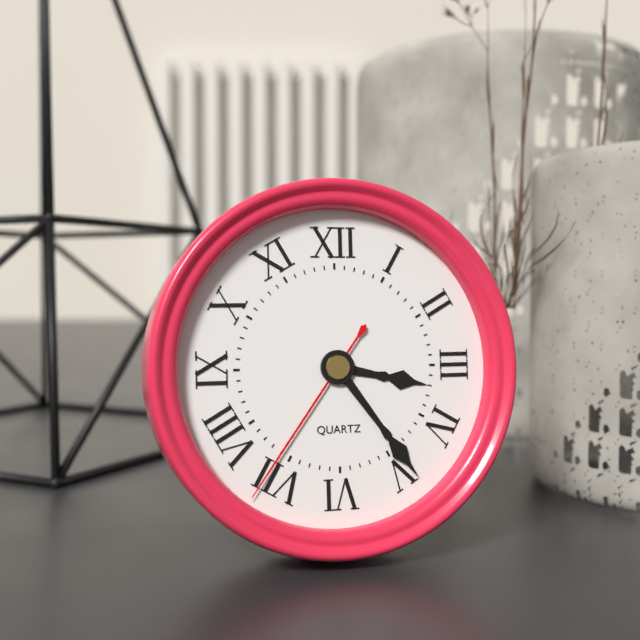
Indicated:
**3:24:36**
